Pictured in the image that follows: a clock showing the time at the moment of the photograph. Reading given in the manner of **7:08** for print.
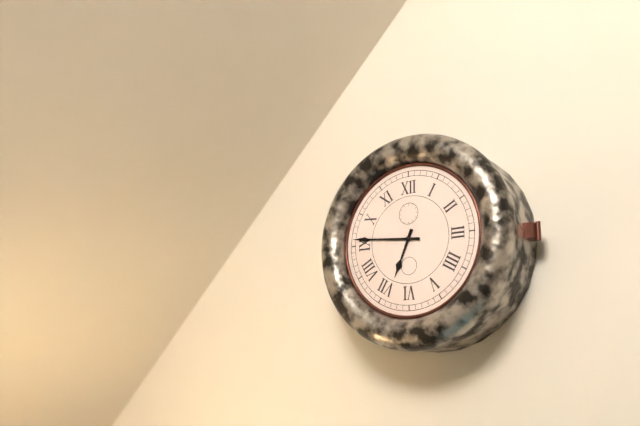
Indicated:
**6:46**
